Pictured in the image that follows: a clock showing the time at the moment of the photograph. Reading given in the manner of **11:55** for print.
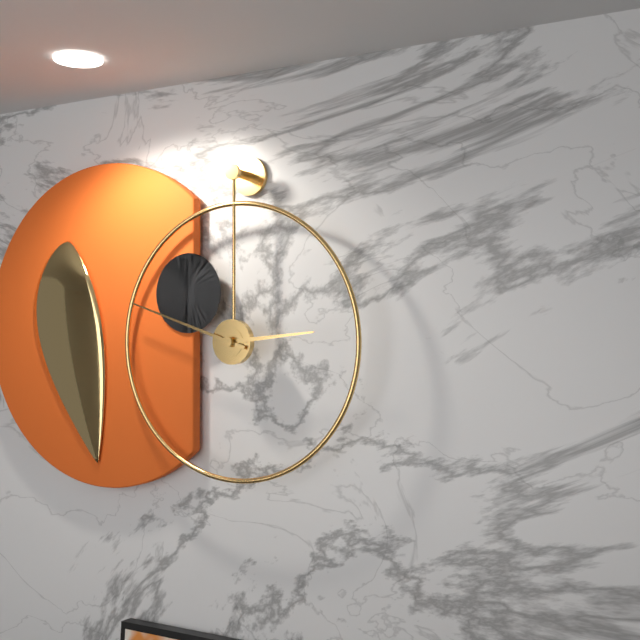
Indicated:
**2:48**
